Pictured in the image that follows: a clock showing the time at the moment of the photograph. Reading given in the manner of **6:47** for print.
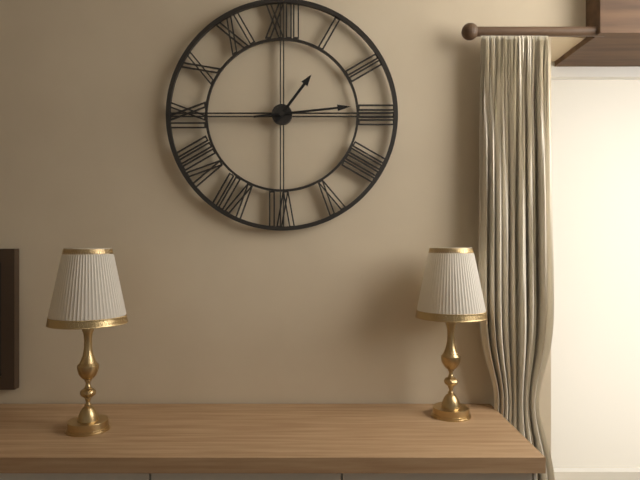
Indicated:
**1:14**
